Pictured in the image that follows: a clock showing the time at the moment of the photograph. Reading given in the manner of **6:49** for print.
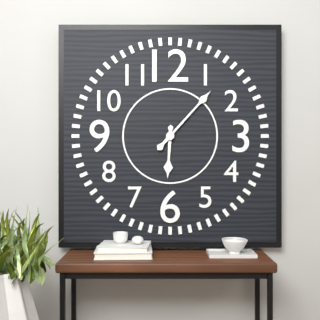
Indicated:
**6:07**
